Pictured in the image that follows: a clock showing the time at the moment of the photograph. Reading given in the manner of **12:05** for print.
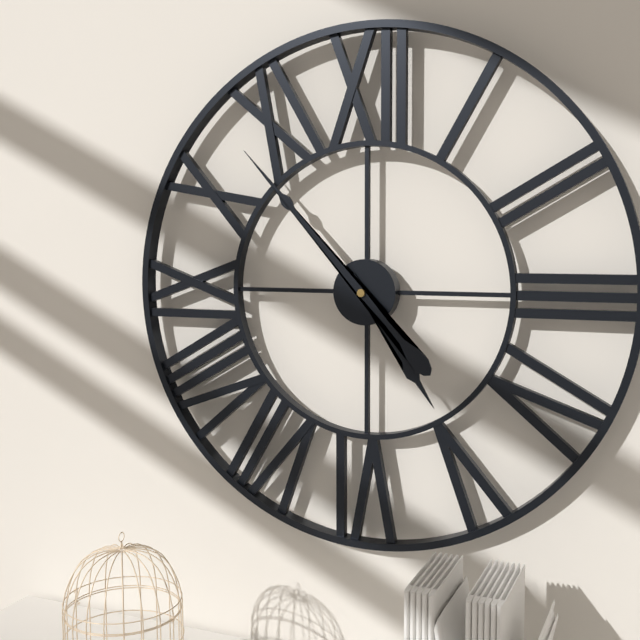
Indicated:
**4:53**
